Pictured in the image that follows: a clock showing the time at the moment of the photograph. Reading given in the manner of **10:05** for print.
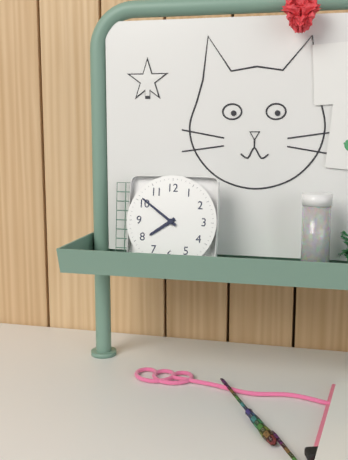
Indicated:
**7:51**
